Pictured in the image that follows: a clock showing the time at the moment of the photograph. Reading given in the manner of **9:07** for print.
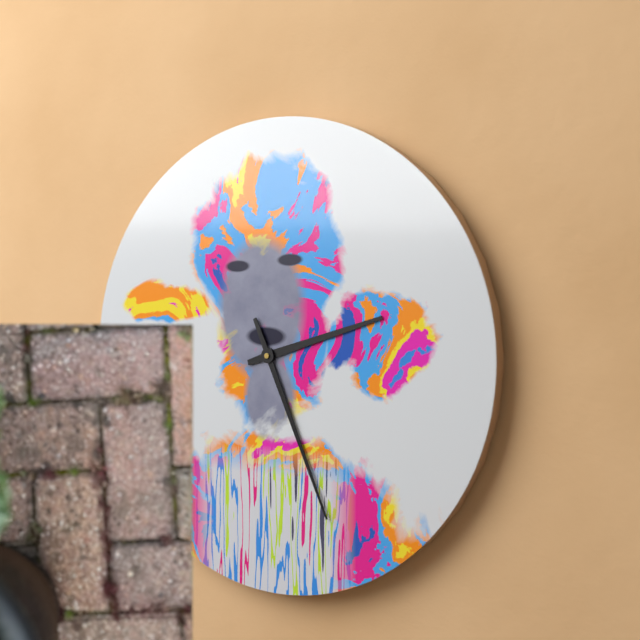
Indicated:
**2:26**
